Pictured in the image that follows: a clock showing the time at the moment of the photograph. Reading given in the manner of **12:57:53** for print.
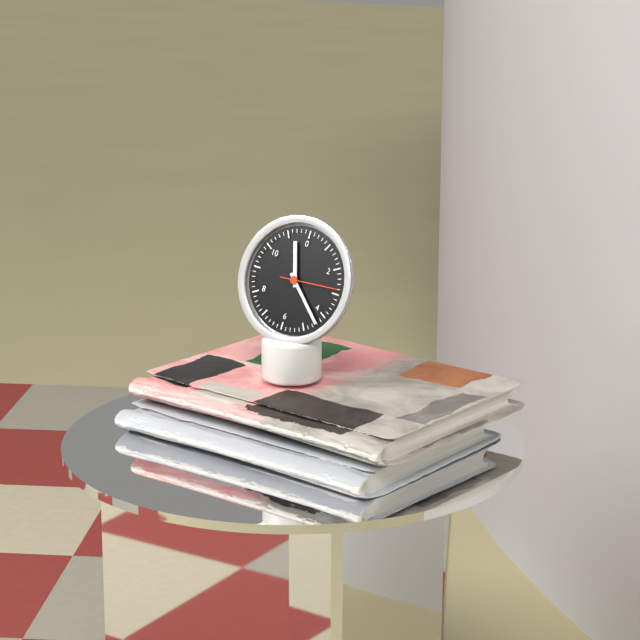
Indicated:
**11:22:14**
